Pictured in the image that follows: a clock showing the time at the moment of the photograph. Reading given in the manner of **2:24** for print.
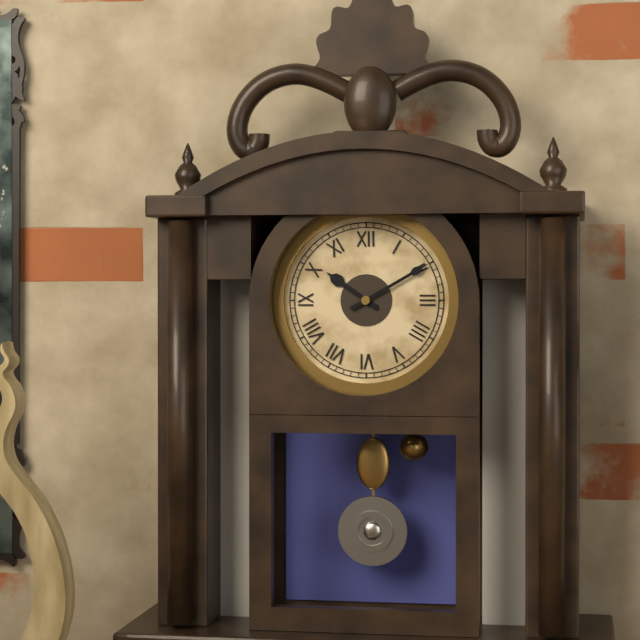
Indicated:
**10:10**
